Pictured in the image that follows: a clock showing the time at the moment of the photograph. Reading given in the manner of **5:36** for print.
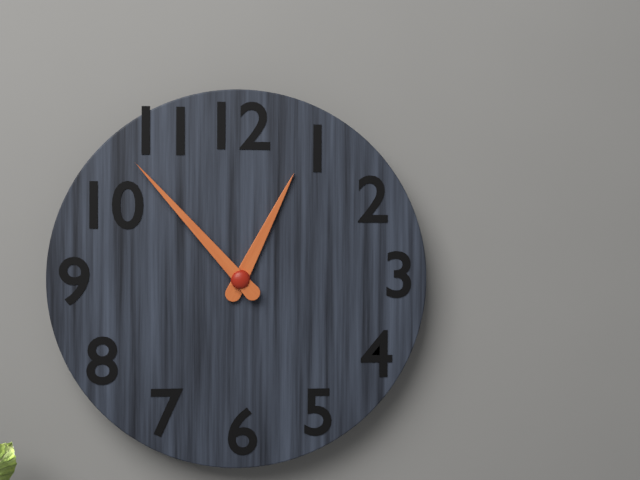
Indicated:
**12:53**
